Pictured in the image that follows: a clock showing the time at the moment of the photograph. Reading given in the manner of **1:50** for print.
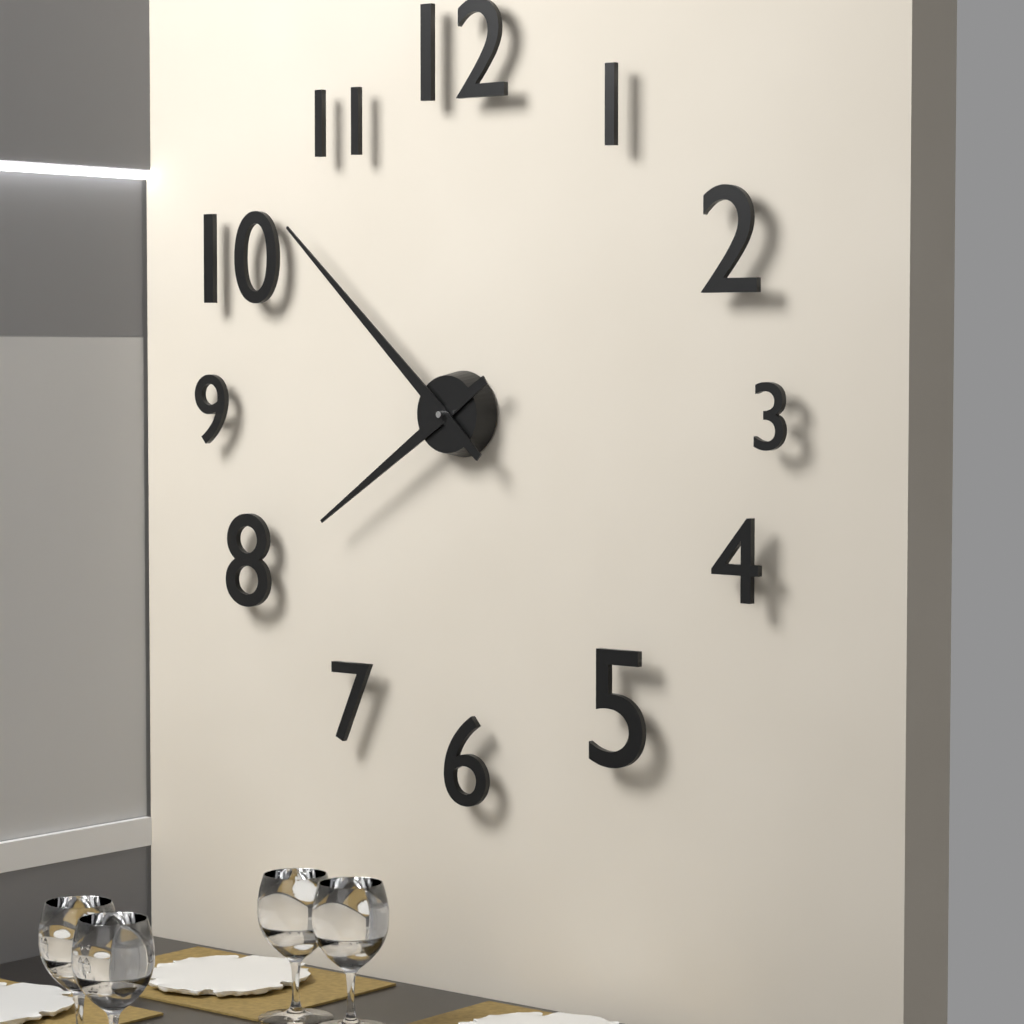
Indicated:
**7:52**
